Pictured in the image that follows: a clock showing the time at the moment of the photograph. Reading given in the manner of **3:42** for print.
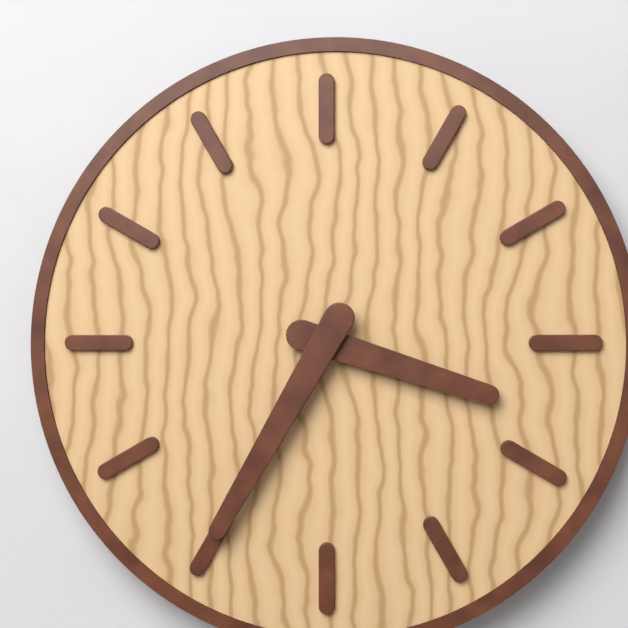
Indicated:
**3:35**
